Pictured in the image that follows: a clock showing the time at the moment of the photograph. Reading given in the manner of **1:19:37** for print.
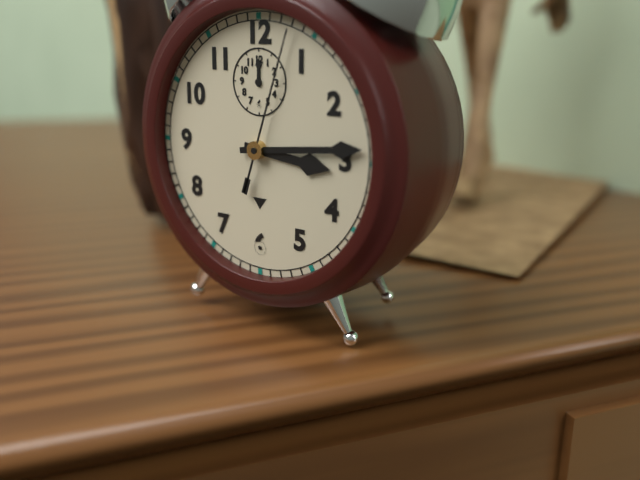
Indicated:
**3:14:03**
